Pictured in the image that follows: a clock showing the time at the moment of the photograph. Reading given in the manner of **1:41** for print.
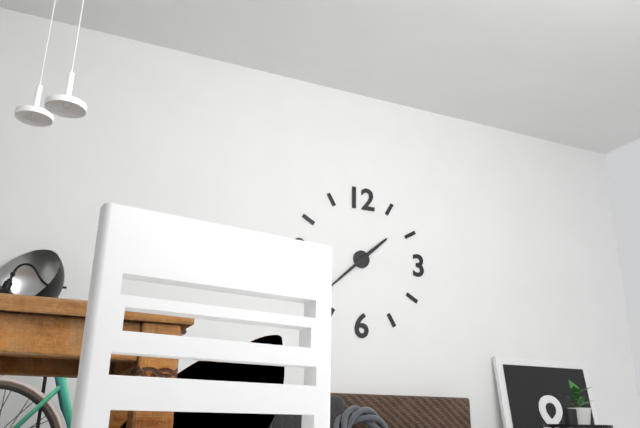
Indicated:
**1:38**
